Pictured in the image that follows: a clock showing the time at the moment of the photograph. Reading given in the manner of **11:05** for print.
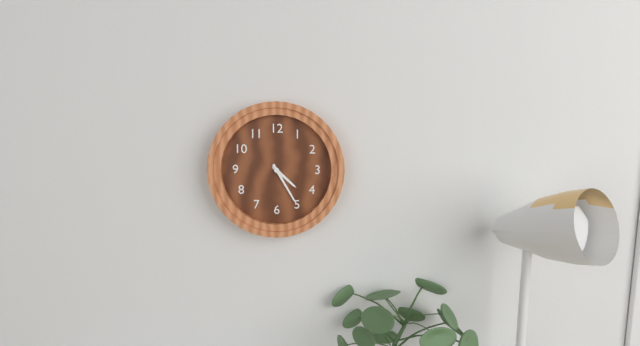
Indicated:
**4:25**
